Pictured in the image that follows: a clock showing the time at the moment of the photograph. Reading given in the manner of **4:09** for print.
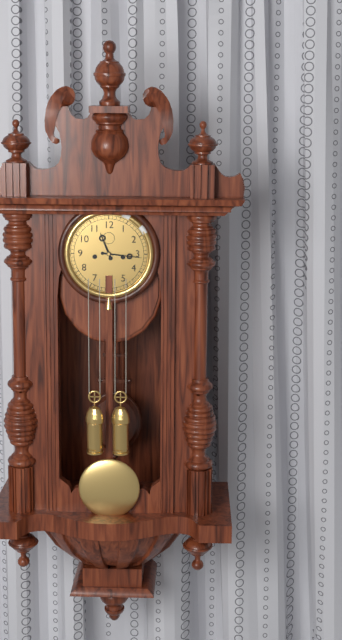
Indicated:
**11:16**
